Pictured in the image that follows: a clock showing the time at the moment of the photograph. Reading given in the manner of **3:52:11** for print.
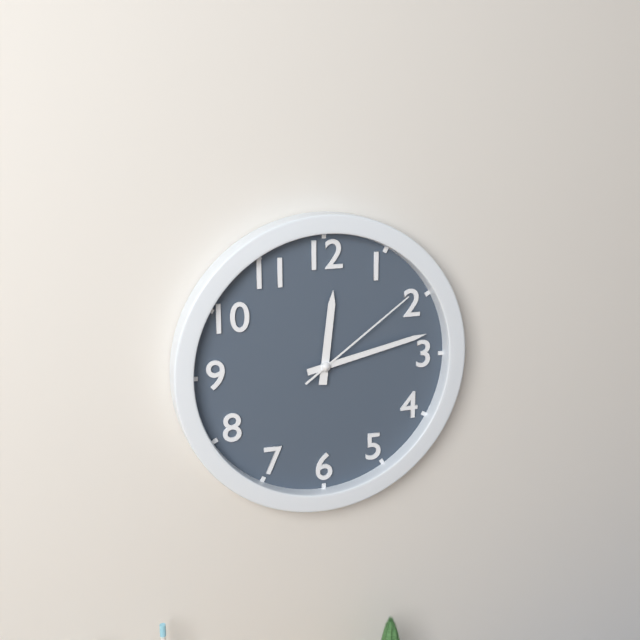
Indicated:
**12:13:09**
